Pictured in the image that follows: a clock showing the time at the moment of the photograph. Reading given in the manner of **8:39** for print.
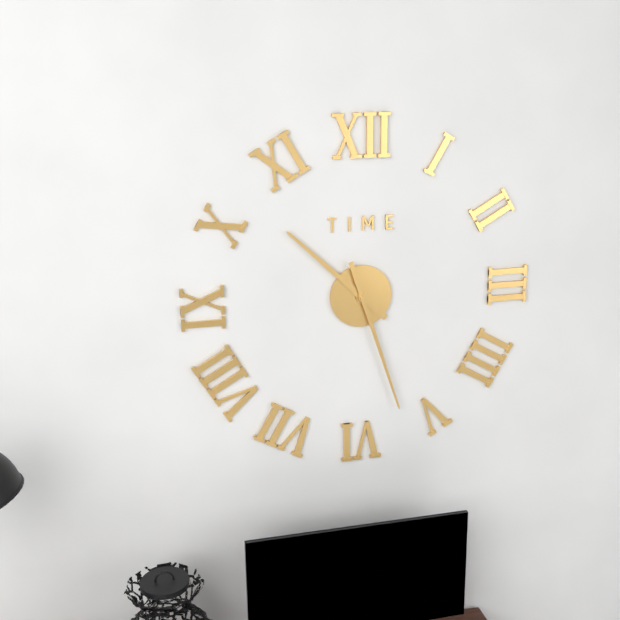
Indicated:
**10:27**
